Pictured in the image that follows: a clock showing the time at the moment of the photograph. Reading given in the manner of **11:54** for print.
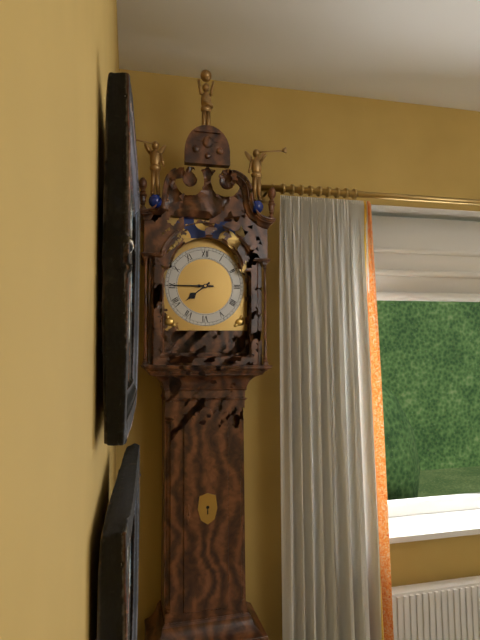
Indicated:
**7:45**
